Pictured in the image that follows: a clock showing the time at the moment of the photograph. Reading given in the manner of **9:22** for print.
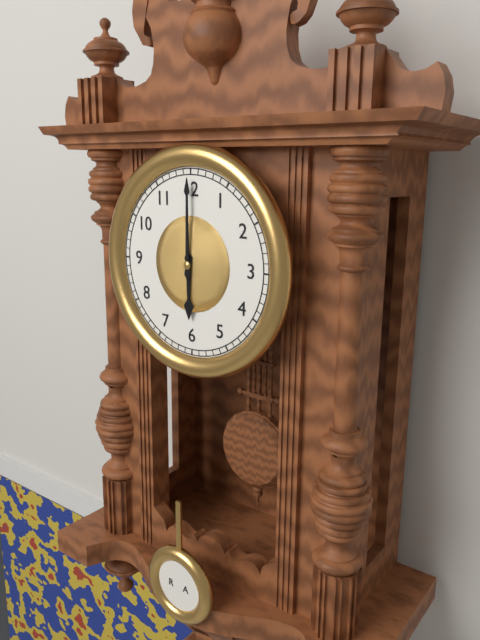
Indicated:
**6:00**
